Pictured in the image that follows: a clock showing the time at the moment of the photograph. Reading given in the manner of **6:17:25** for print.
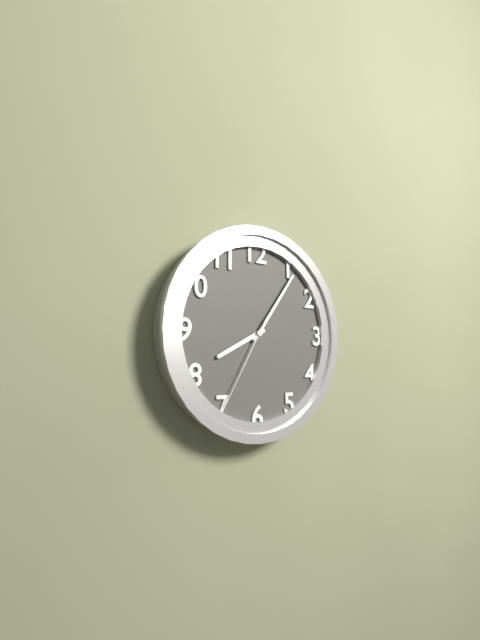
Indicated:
**8:06:35**
